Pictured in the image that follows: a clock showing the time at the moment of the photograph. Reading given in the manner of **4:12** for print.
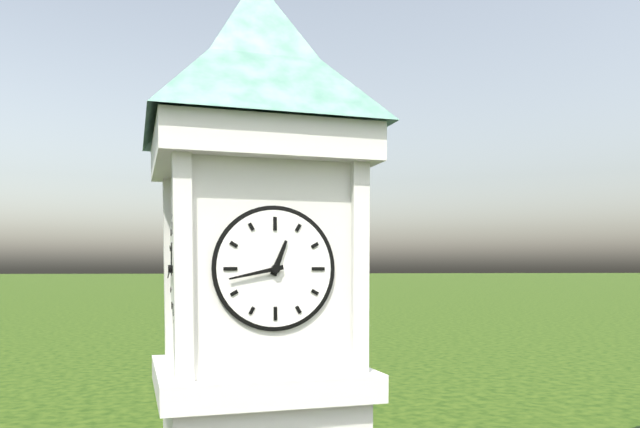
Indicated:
**12:43**
